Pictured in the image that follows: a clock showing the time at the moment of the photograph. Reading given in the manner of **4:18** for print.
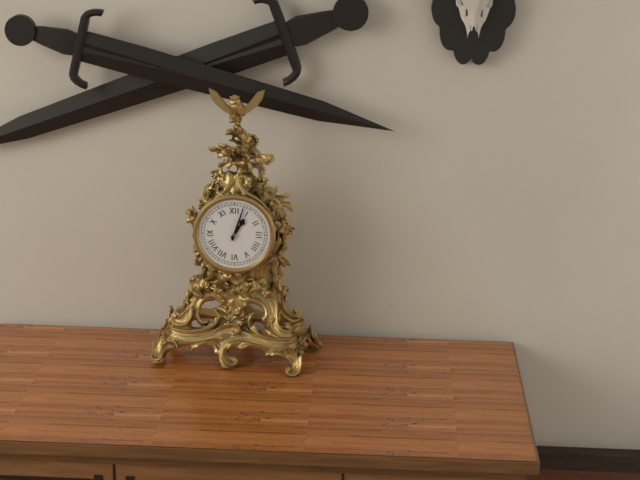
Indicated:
**1:03**
